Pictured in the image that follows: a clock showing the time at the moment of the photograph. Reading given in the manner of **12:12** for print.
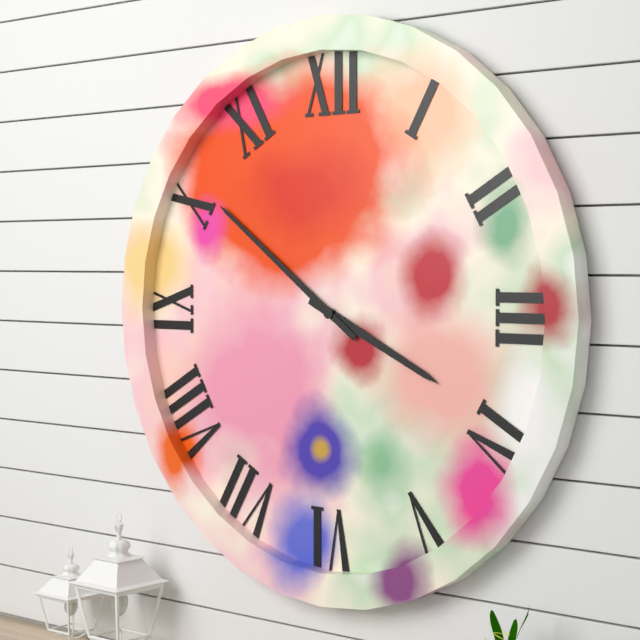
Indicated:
**3:51**
